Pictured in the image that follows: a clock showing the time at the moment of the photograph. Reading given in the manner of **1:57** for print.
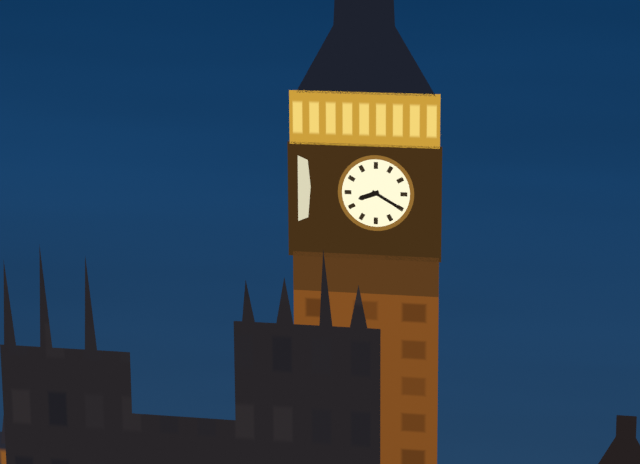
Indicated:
**8:20**
